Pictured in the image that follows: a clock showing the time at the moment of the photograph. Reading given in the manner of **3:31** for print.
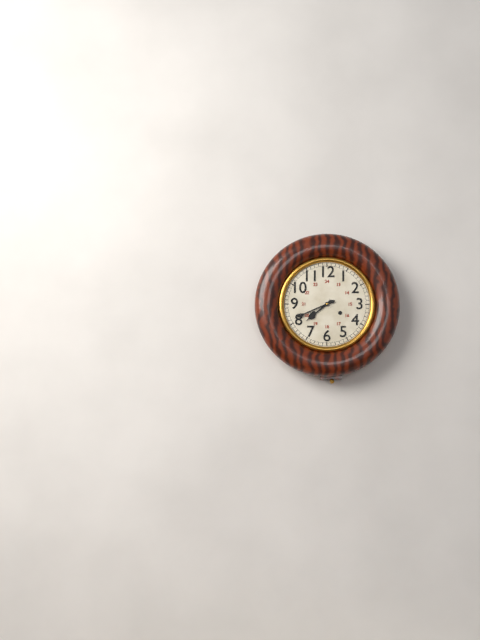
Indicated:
**7:41**
